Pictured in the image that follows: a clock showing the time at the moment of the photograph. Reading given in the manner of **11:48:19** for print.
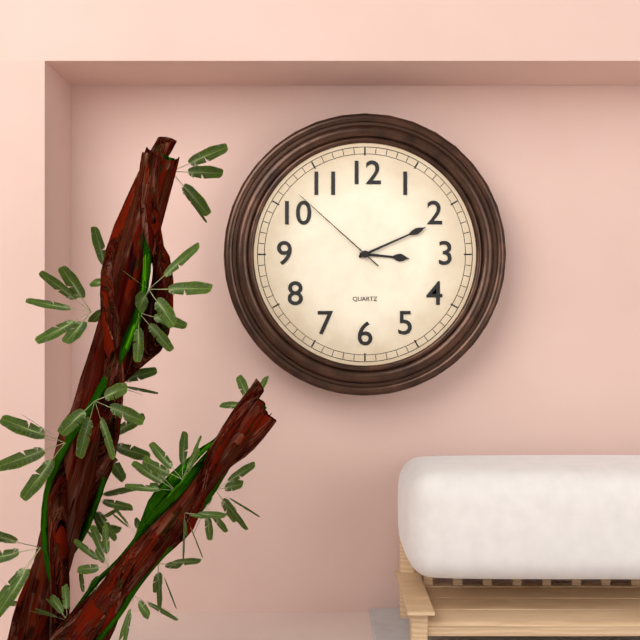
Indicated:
**3:11:52**
